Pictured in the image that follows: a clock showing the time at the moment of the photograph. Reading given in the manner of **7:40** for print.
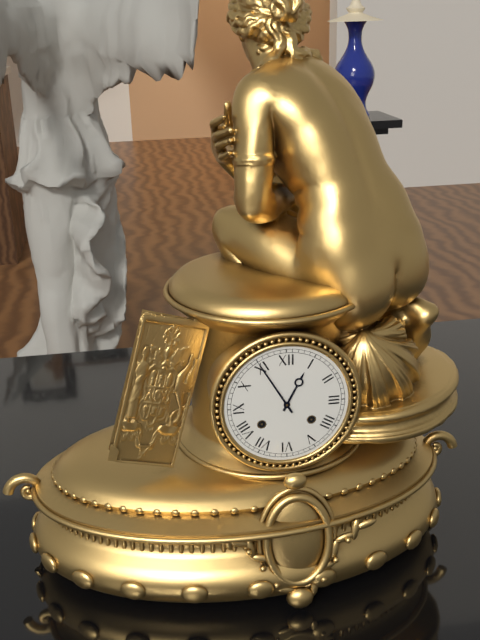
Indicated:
**12:55**
